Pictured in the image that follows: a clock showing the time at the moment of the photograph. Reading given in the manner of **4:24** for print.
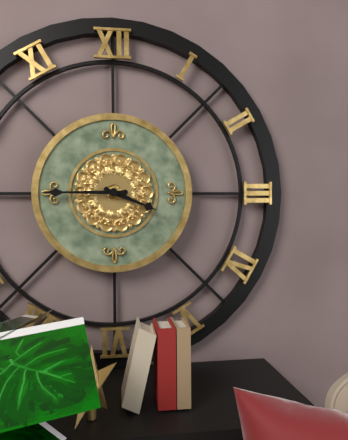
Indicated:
**3:45**
